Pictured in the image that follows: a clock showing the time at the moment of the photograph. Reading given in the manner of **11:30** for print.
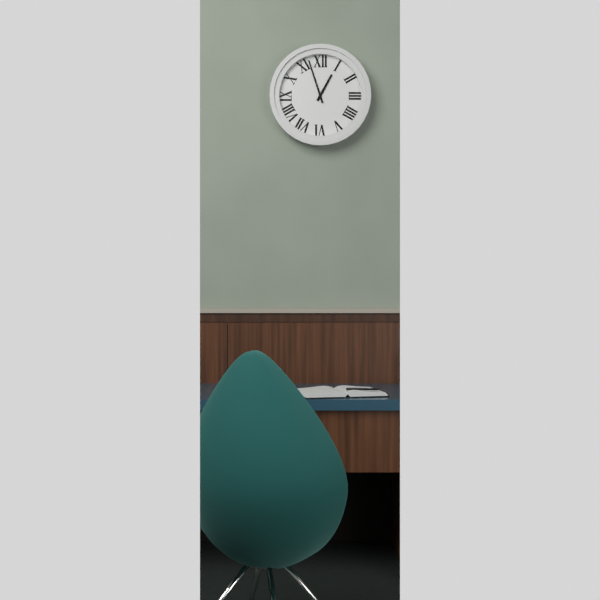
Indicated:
**12:57**
